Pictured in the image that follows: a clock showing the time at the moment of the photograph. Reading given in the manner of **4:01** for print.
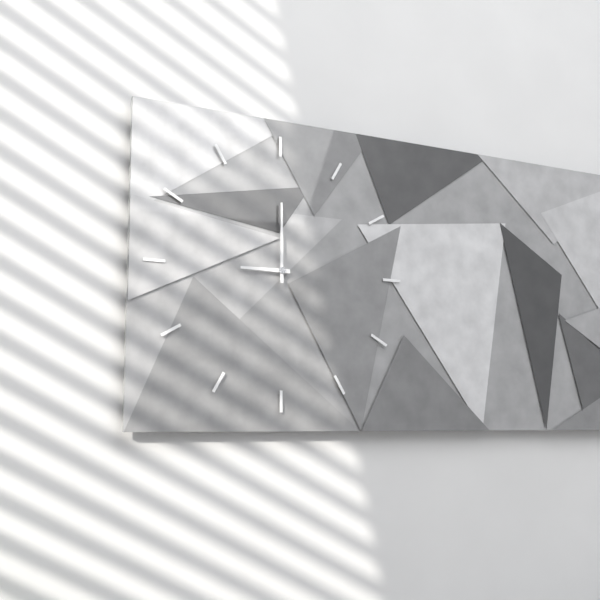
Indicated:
**9:00**
